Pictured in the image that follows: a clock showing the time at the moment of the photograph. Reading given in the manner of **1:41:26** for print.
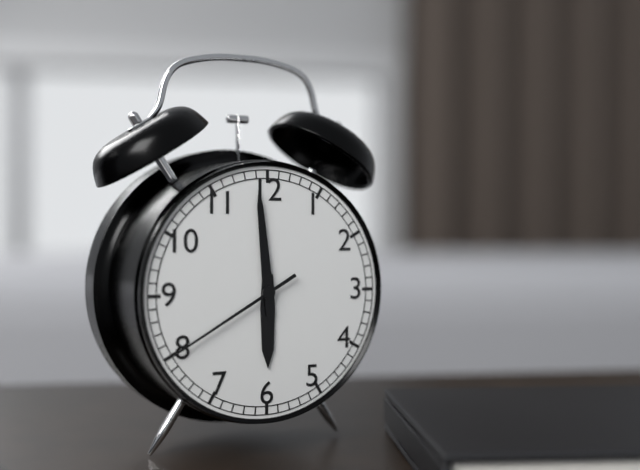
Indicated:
**5:59:40**
